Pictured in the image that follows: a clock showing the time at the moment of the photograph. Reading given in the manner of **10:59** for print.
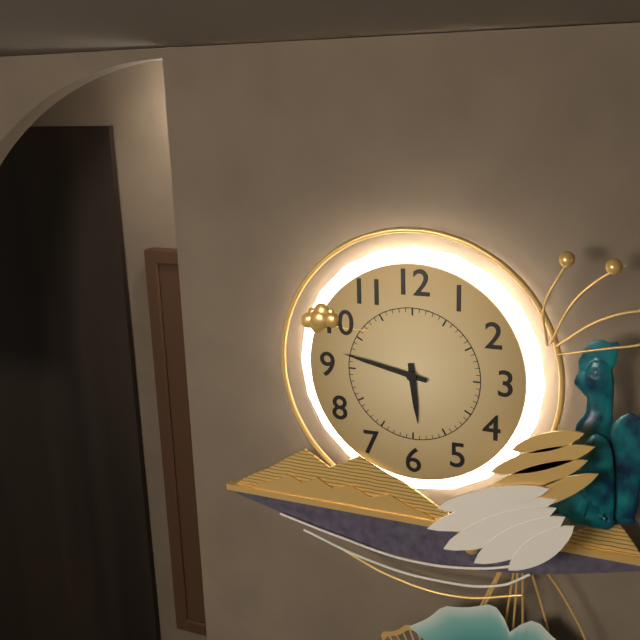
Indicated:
**5:47**
